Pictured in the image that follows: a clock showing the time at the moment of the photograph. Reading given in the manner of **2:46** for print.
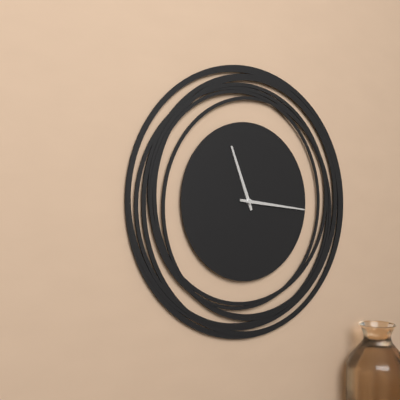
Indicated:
**11:16**
